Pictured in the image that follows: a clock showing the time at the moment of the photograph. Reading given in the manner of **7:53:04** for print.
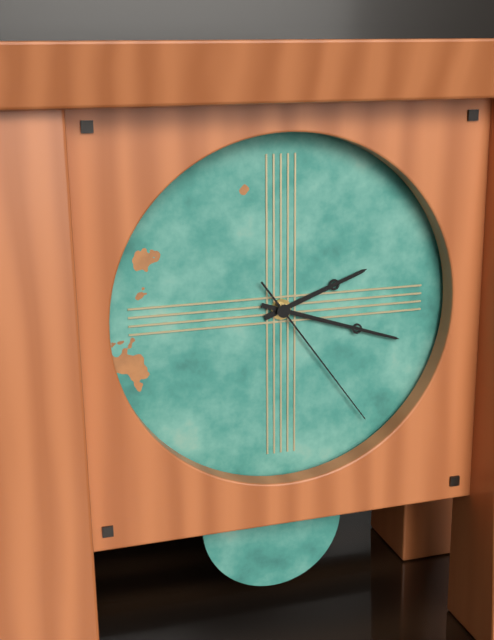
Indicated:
**2:18:24**
